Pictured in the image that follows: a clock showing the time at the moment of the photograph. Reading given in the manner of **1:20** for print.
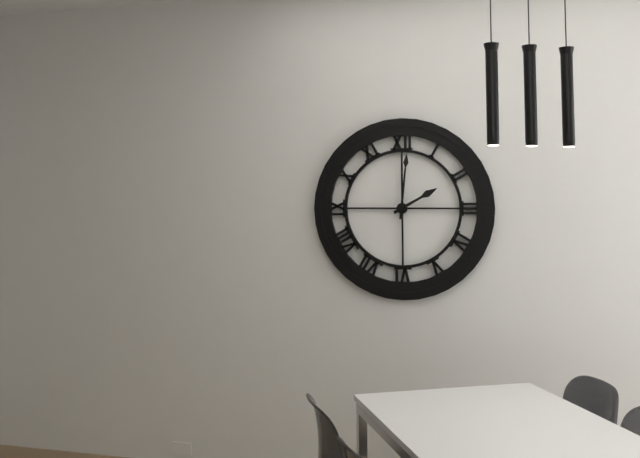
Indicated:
**2:01**
